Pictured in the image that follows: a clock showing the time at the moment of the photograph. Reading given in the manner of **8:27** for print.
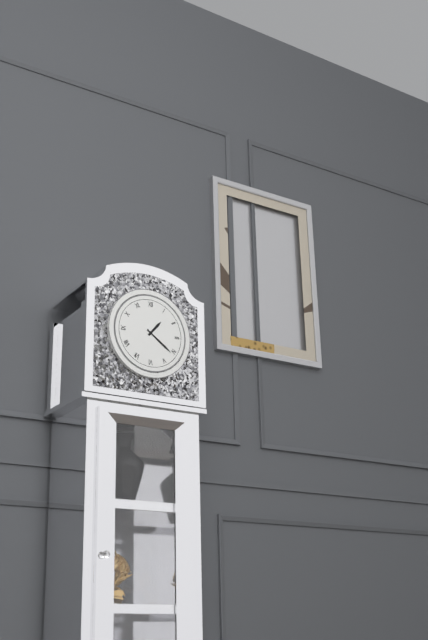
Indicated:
**1:21**
